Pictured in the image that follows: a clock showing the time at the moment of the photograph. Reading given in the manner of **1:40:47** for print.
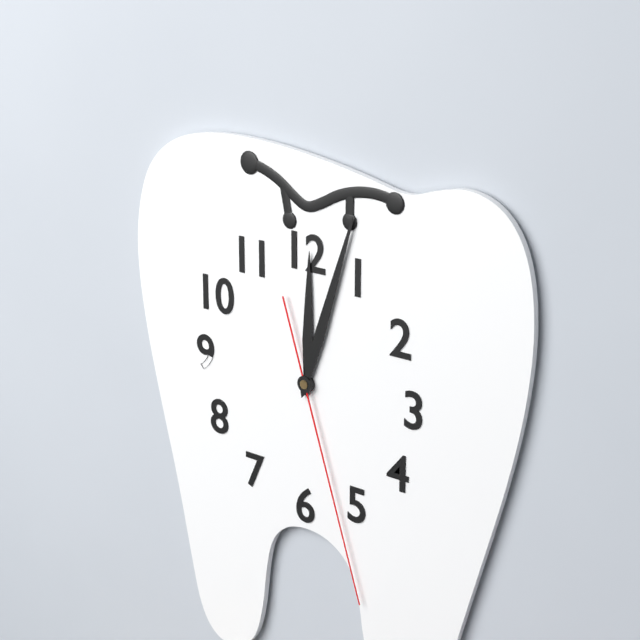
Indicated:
**12:03:27**
